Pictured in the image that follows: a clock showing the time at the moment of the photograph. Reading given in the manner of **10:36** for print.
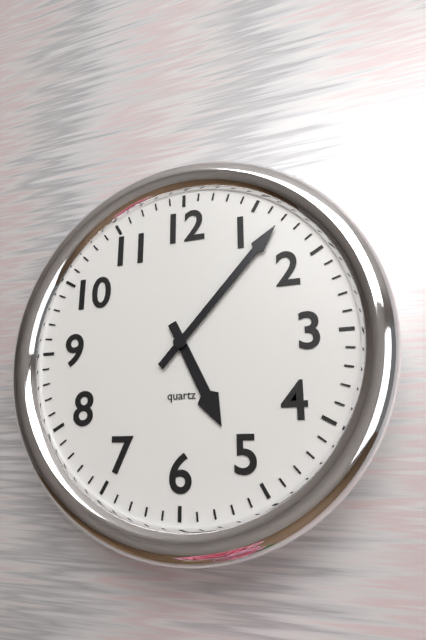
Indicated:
**5:07**
